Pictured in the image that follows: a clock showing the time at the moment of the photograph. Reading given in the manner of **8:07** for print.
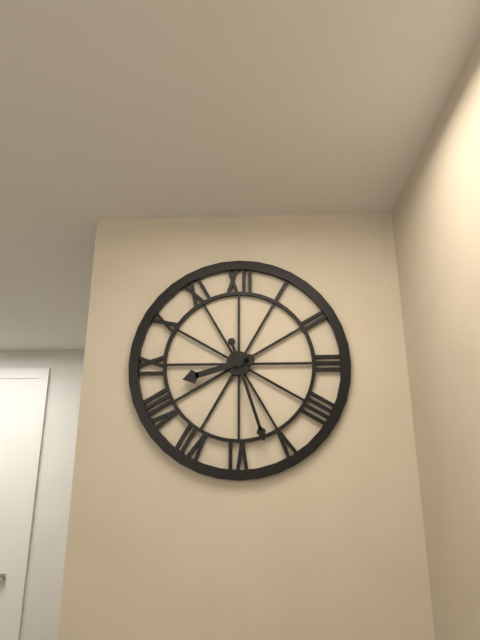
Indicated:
**8:27**
